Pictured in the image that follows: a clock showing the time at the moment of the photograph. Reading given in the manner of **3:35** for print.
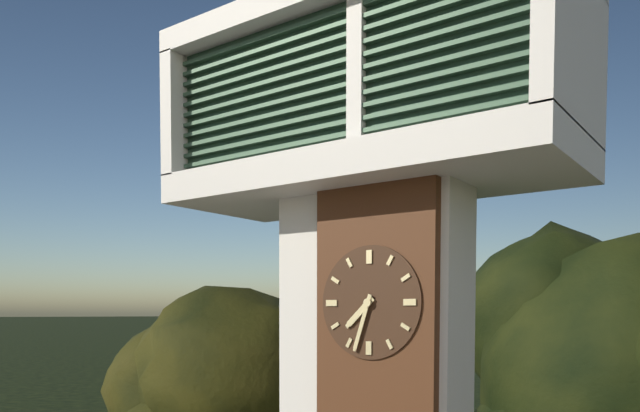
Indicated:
**7:33**
